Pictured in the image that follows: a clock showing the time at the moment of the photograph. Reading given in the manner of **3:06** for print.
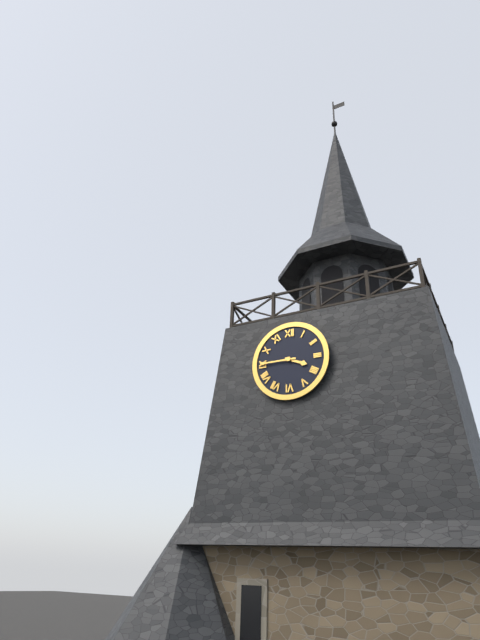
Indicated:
**3:45**
